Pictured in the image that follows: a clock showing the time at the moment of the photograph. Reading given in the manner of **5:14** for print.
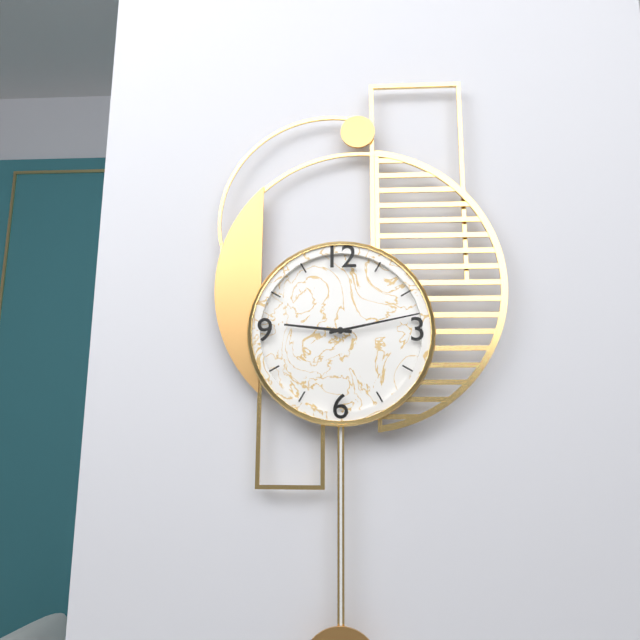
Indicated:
**9:13**
